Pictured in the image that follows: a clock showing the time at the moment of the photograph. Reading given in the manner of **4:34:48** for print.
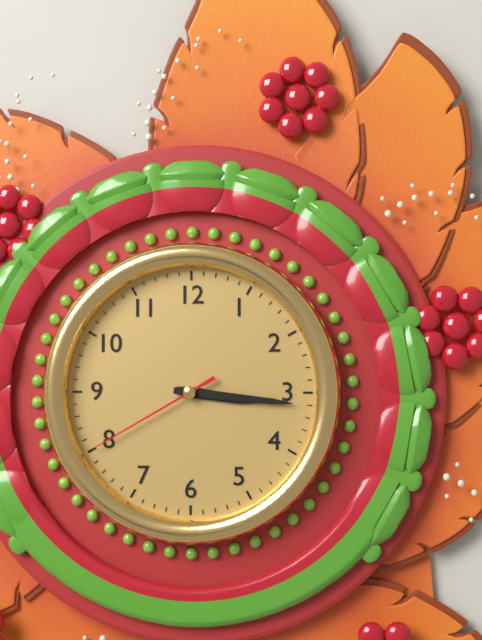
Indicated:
**3:16:40**
